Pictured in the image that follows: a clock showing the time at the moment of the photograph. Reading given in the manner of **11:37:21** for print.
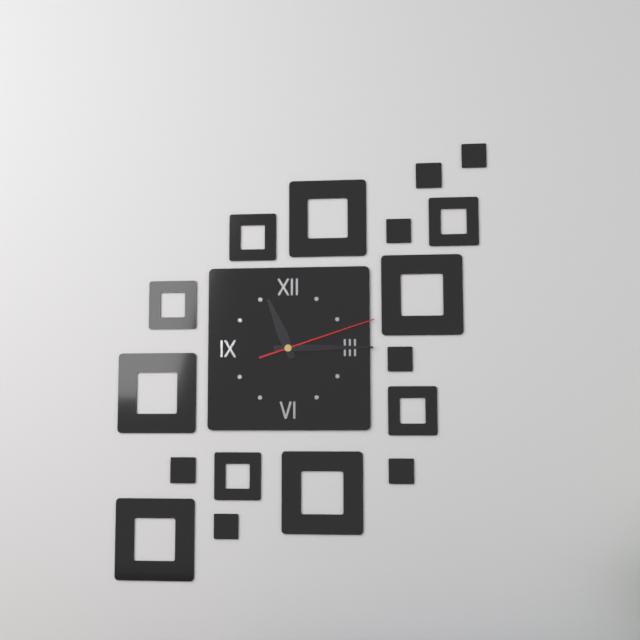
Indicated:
**11:15:12**
